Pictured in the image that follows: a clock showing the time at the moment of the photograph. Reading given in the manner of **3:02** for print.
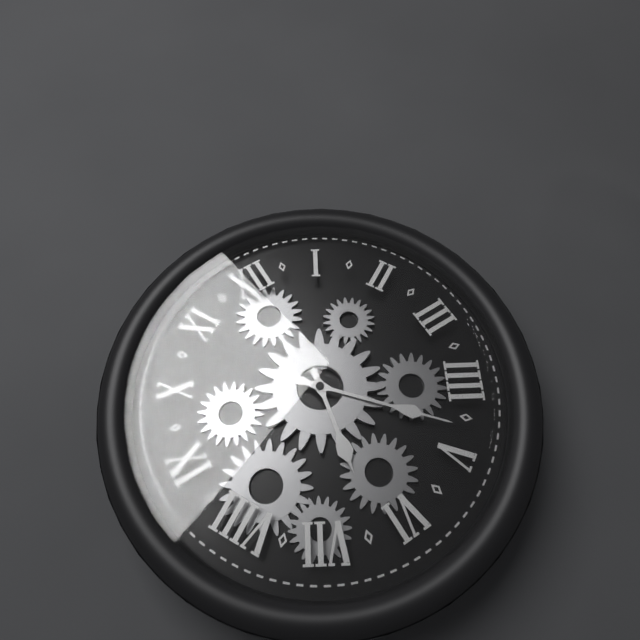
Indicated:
**6:23**
